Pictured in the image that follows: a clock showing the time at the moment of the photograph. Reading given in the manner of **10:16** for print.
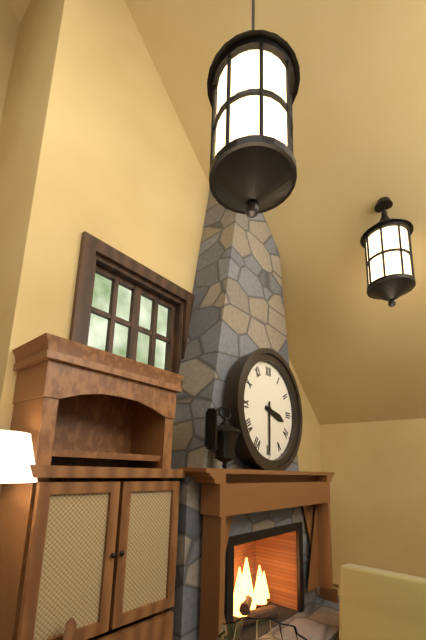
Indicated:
**3:30**
